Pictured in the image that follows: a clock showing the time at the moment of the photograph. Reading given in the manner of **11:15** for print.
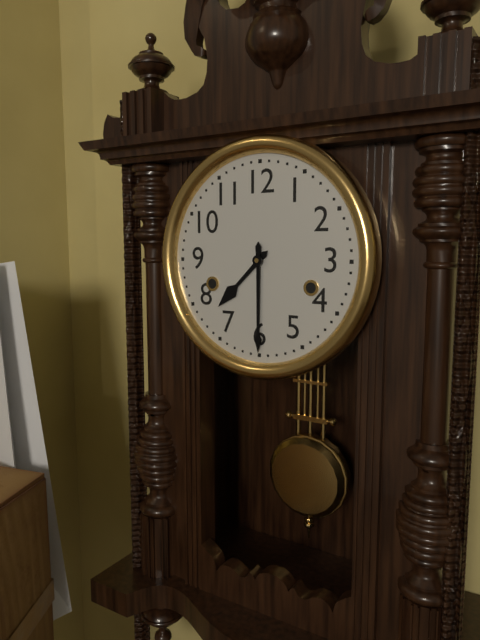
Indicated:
**7:30**
